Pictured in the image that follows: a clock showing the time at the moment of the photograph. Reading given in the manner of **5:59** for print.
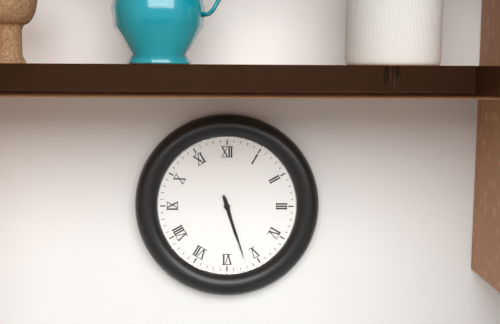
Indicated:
**5:27**
